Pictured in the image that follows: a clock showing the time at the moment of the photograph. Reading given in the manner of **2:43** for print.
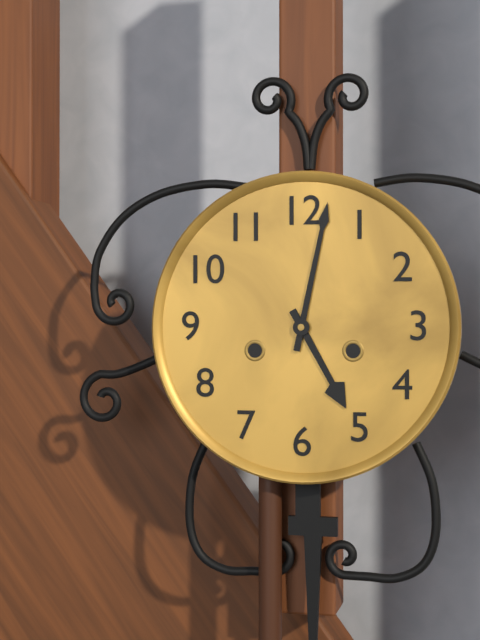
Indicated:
**5:02**
